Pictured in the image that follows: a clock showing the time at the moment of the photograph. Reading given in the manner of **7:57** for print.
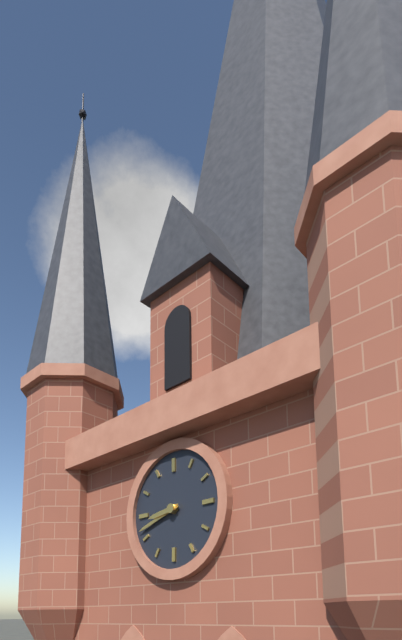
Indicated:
**8:42**
